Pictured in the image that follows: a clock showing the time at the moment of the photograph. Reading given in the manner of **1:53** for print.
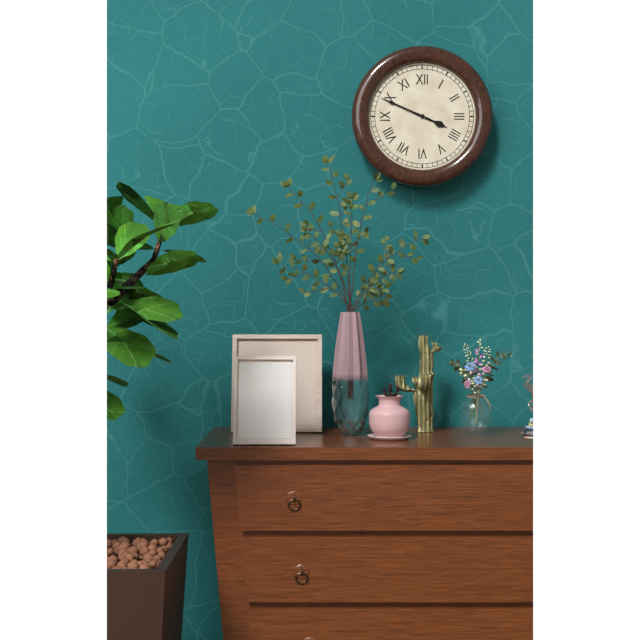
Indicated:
**3:49**
